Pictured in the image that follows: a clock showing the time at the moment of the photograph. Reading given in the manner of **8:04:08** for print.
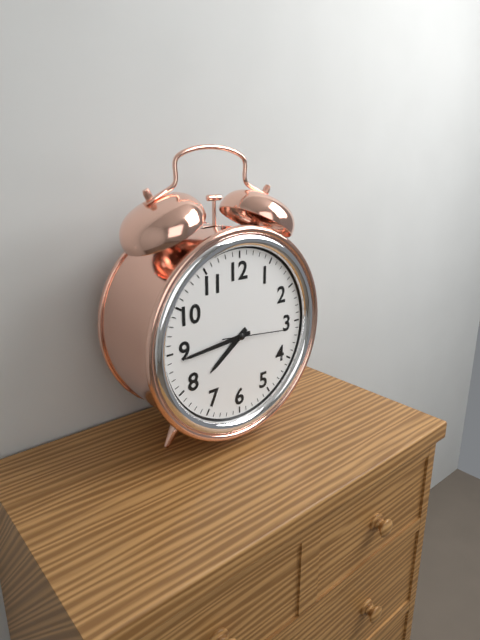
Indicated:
**7:44:16**
